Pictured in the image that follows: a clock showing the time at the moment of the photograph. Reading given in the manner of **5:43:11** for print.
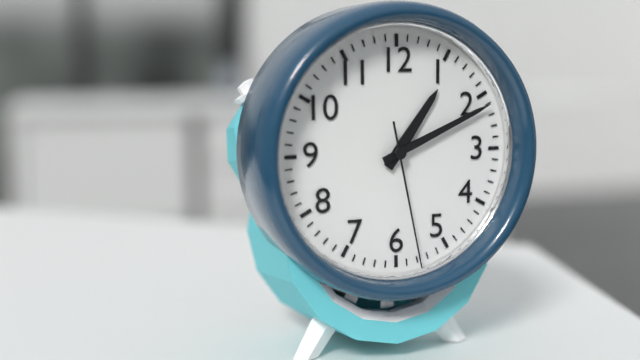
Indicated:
**1:11:28**
